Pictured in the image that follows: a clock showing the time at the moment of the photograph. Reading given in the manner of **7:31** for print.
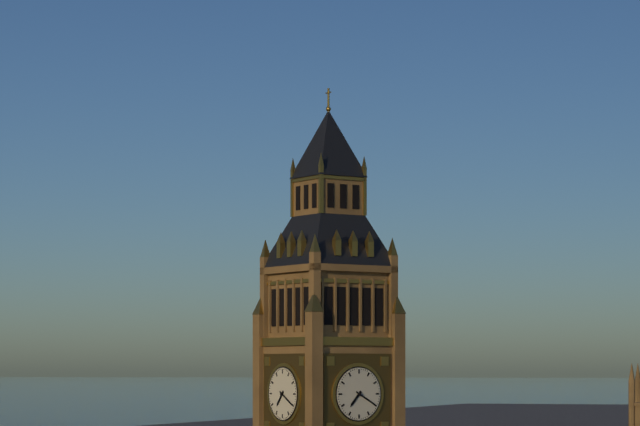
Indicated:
**7:20**
